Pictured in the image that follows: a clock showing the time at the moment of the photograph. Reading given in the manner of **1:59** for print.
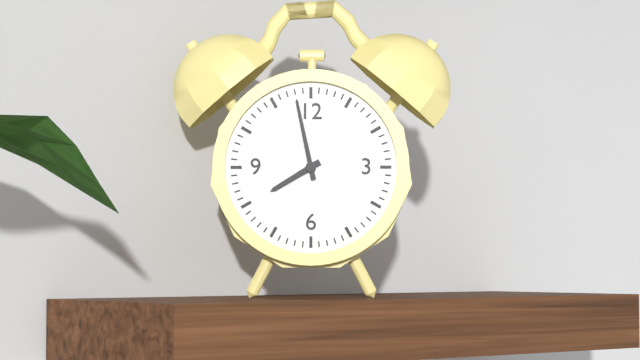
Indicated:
**7:58**
